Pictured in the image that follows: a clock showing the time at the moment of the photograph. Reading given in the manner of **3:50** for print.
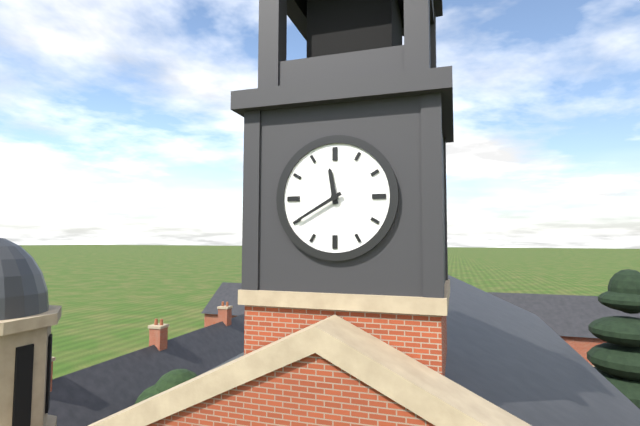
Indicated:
**11:40**
